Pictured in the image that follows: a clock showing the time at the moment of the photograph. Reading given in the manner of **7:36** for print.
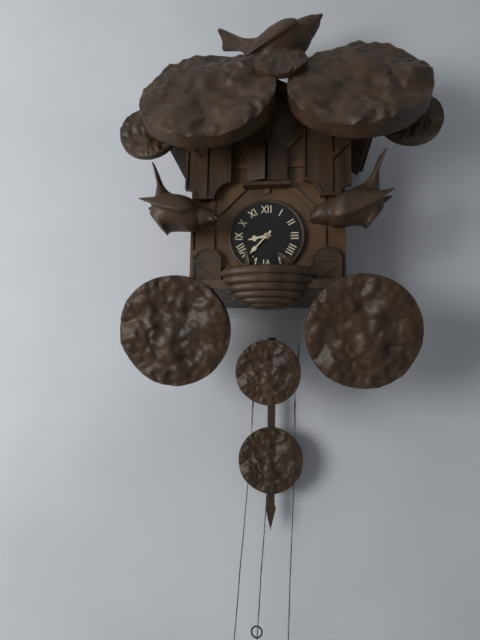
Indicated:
**8:37**
